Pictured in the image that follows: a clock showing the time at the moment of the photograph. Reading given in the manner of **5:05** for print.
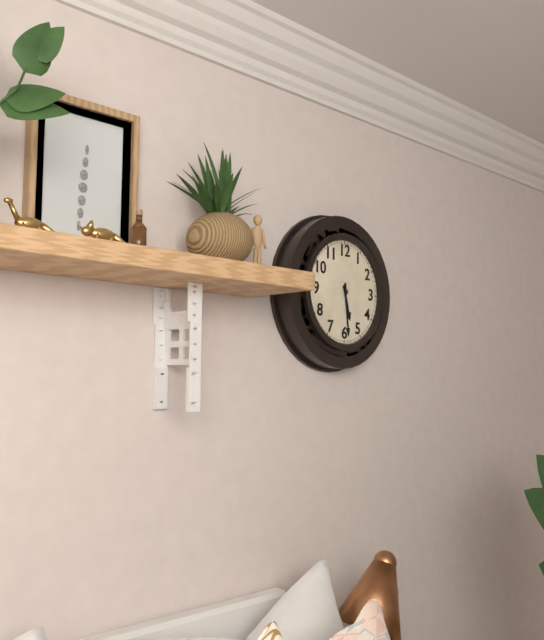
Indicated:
**5:29**
